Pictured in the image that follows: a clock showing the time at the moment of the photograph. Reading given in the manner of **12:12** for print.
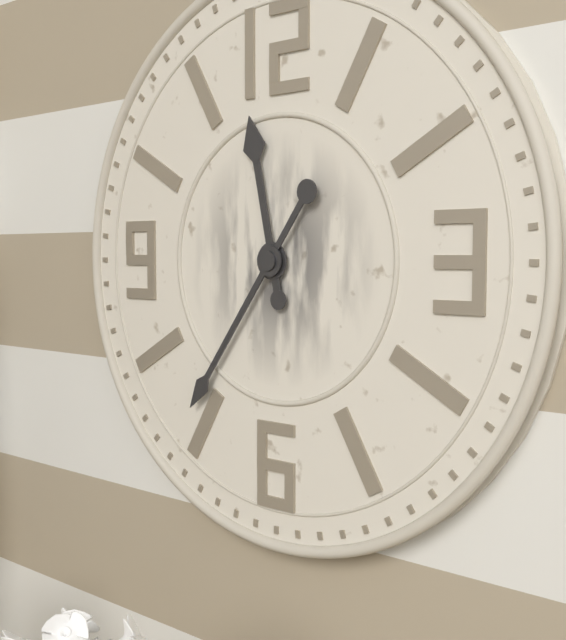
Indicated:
**11:36**
